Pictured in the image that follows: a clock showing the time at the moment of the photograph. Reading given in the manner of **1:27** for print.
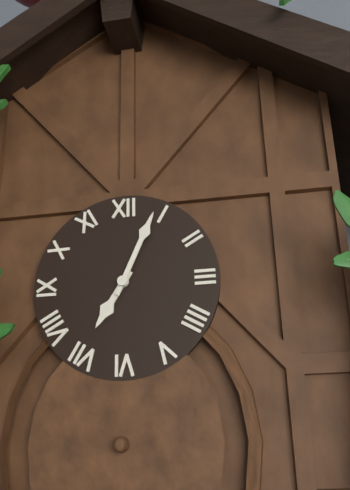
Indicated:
**7:04**
